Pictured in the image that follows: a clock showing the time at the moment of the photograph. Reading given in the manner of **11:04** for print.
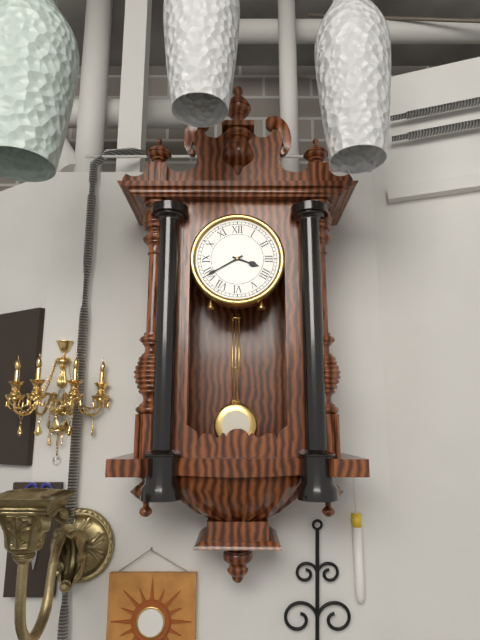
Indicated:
**3:40**
